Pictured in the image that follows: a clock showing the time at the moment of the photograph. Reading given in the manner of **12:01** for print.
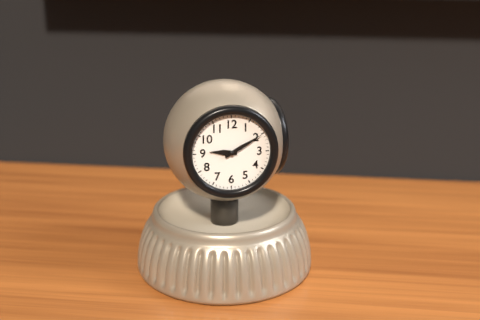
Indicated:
**9:10**
